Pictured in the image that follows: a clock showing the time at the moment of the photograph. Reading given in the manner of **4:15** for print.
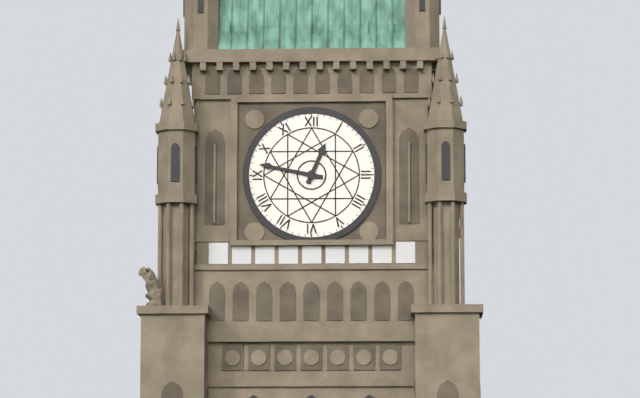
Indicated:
**12:47**
